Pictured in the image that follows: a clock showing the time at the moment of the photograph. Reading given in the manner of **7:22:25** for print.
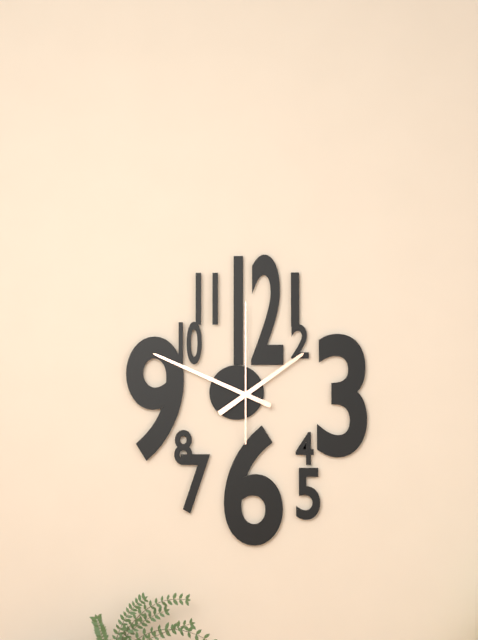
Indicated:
**1:49:00**
